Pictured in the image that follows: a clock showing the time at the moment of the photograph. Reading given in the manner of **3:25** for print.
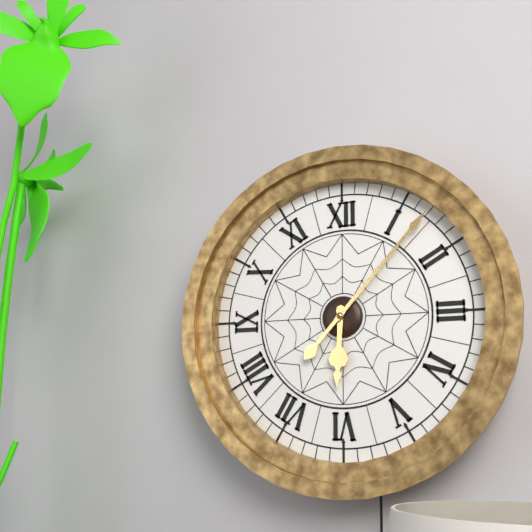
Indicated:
**6:07**
